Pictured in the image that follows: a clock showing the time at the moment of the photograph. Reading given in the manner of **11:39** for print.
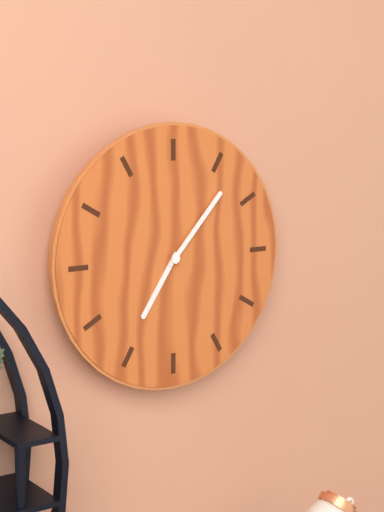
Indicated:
**7:07**
